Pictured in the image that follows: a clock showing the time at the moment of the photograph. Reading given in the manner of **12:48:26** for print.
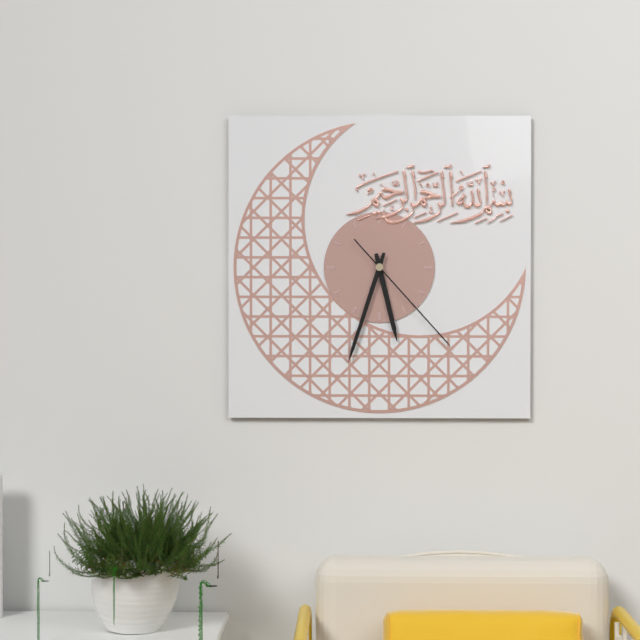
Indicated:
**5:33:23**
